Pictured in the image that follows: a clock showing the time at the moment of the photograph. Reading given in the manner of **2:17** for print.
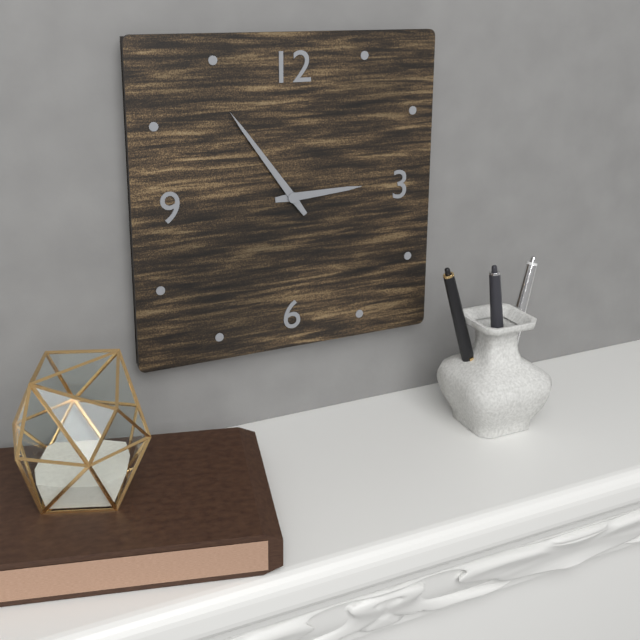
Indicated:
**2:54**
